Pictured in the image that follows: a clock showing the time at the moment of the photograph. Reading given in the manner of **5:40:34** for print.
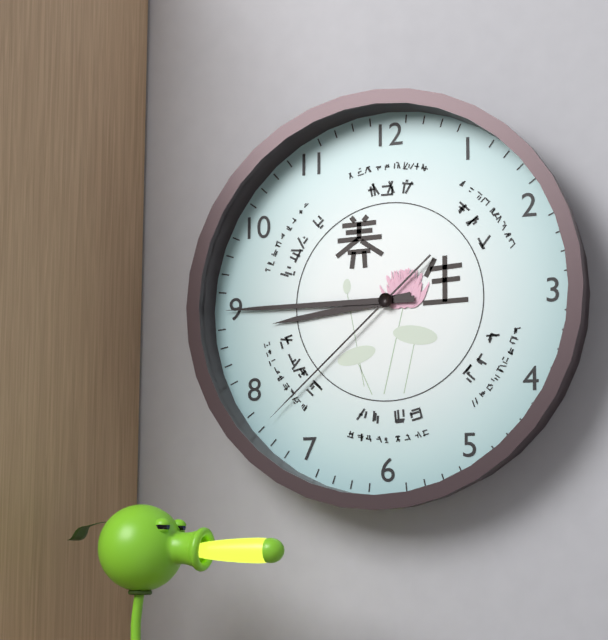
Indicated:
**8:45:38**
